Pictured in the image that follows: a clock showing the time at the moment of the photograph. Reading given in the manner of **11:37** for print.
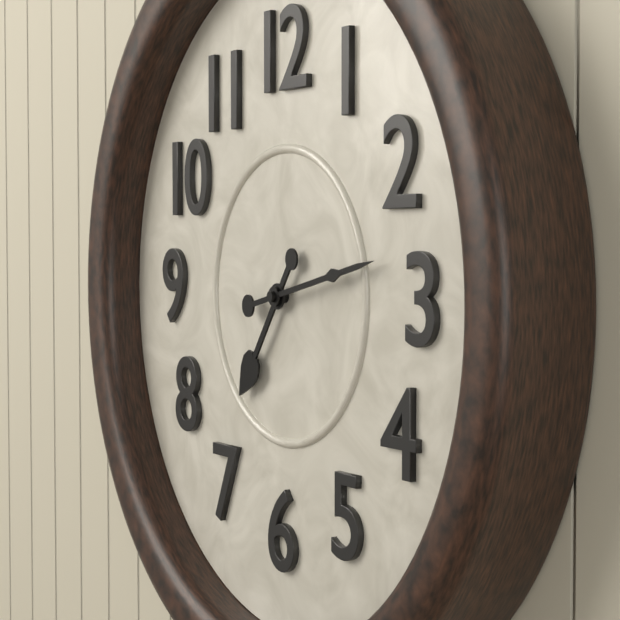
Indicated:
**7:13**
